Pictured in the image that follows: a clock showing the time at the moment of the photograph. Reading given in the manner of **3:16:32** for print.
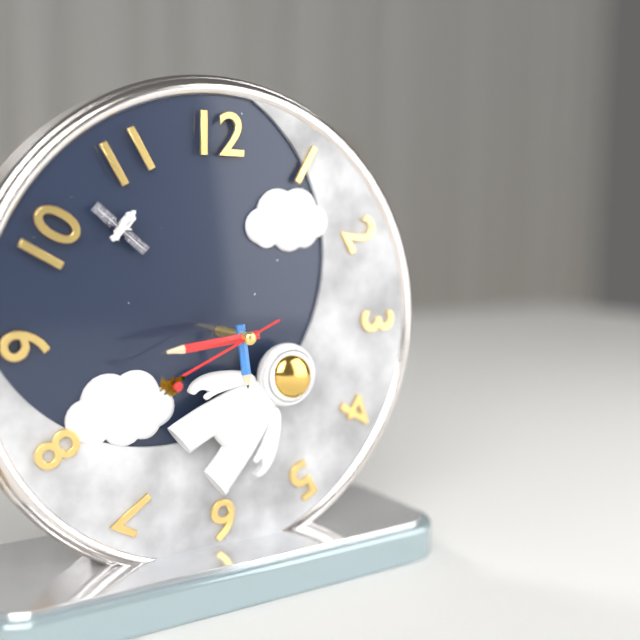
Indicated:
**5:44:41**
